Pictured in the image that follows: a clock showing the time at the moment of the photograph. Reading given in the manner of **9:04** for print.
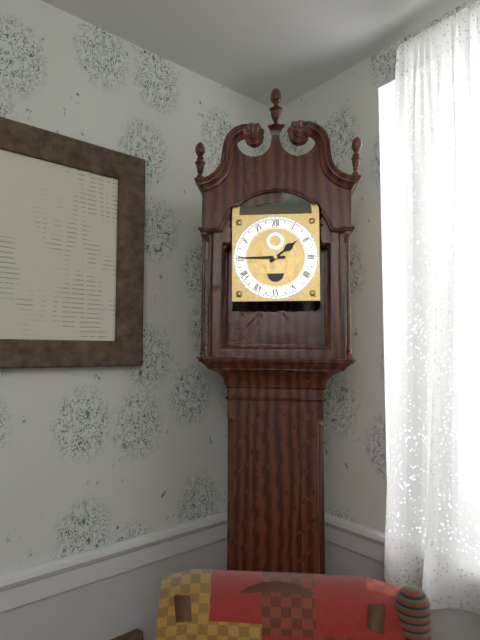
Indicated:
**1:45**
